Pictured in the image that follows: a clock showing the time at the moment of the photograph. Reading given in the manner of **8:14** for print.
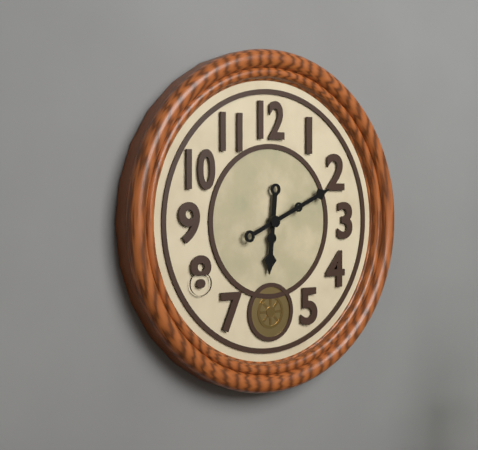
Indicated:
**6:11**
